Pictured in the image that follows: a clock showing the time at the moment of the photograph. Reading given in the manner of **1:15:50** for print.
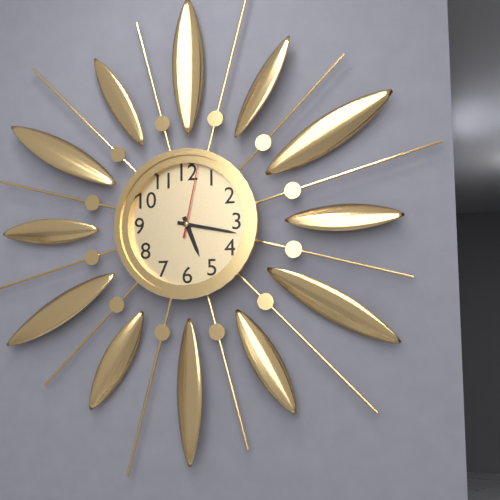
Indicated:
**5:17:02**
